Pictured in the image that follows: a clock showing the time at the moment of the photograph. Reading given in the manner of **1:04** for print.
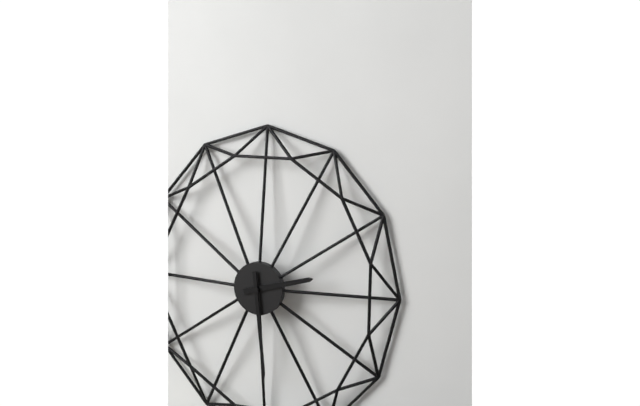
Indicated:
**2:29**
